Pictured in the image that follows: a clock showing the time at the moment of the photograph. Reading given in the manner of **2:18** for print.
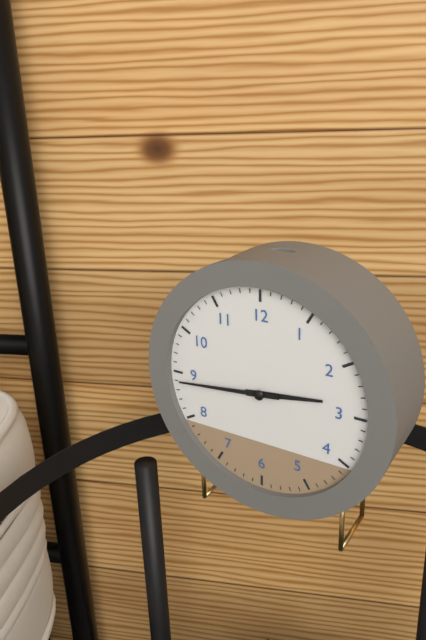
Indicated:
**2:44**
